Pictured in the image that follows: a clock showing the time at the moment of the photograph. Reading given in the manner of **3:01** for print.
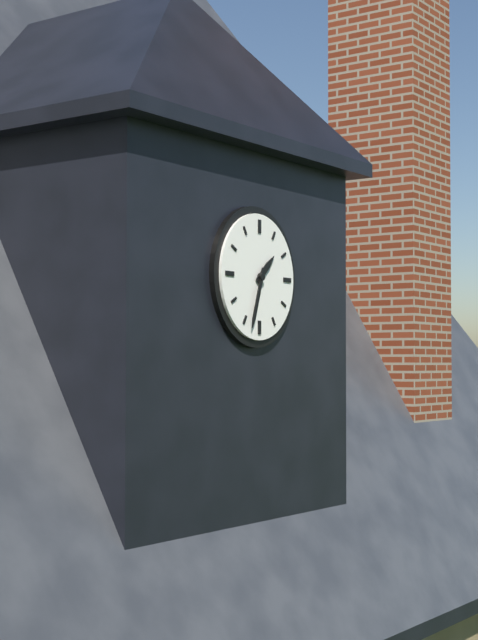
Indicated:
**1:33**
